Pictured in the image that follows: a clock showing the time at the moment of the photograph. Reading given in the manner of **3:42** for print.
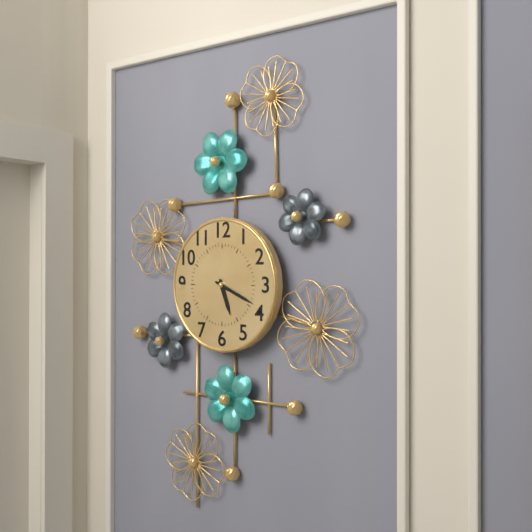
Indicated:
**5:19**
